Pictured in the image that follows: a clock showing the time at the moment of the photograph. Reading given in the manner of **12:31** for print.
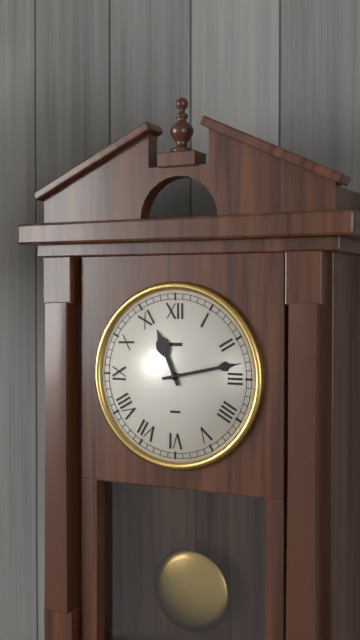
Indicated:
**11:13**
